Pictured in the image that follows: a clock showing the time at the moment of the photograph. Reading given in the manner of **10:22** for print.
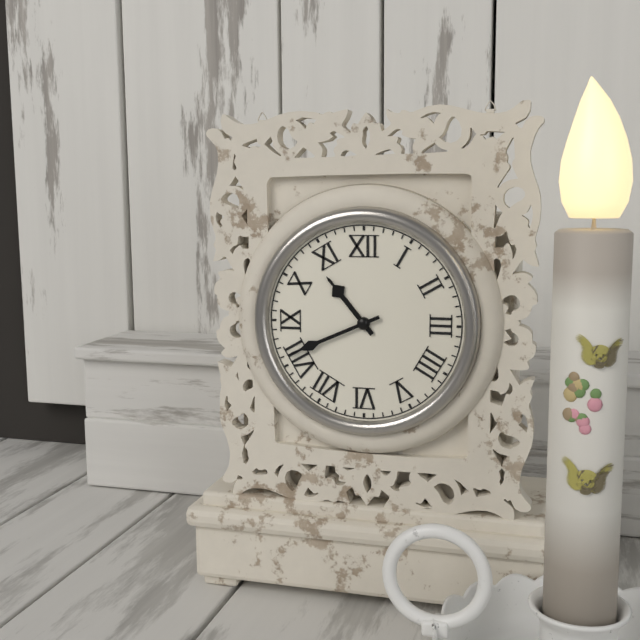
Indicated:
**10:41**
